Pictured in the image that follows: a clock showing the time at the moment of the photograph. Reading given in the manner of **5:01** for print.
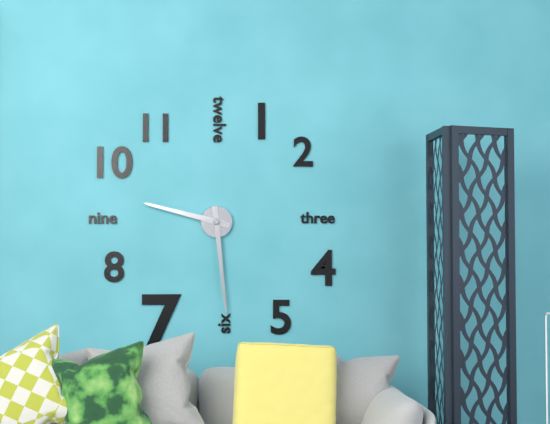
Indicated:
**9:29**
